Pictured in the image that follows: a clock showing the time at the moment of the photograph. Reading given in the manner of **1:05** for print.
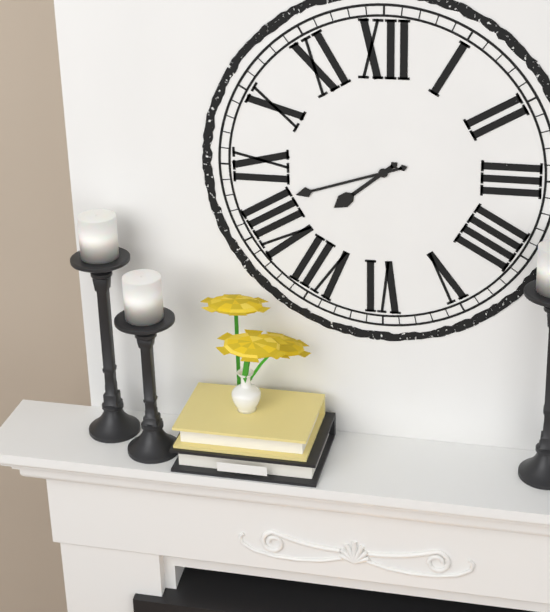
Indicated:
**7:42**
